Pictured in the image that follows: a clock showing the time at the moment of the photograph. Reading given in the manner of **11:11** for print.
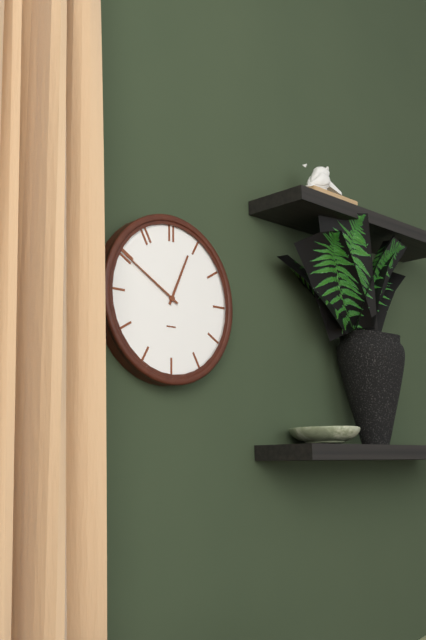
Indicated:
**12:50**
